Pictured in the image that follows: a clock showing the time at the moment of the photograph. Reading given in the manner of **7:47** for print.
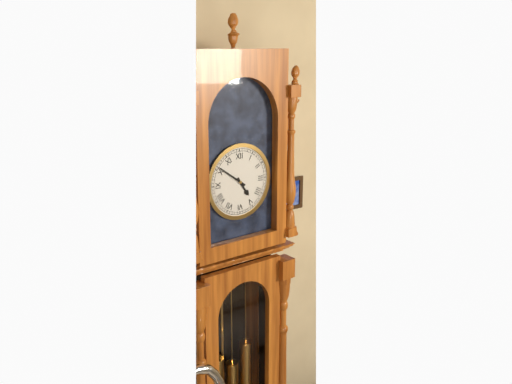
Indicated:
**4:51**
